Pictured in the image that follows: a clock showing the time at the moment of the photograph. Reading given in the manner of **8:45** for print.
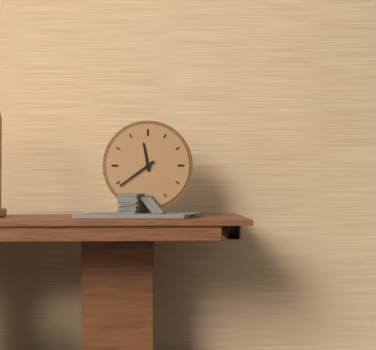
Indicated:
**11:39**
